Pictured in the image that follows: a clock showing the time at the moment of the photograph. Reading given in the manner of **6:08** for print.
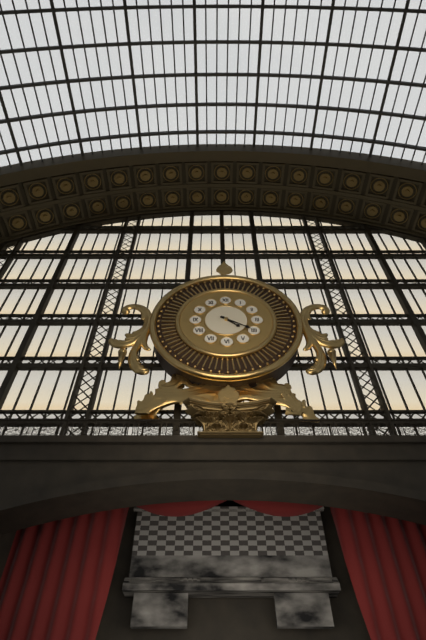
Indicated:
**4:20**
